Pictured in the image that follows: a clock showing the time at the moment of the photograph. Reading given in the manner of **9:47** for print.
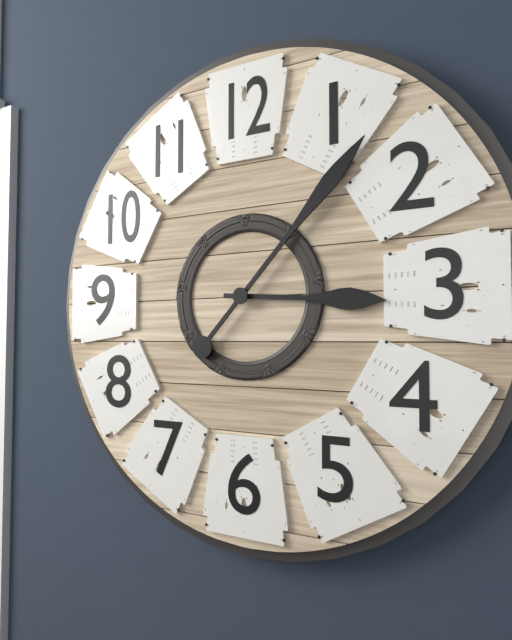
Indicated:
**3:07**
